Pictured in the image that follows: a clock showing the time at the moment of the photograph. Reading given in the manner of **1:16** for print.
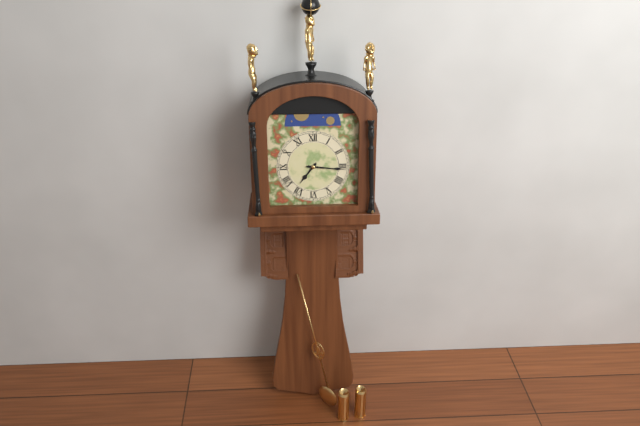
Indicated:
**7:16**
